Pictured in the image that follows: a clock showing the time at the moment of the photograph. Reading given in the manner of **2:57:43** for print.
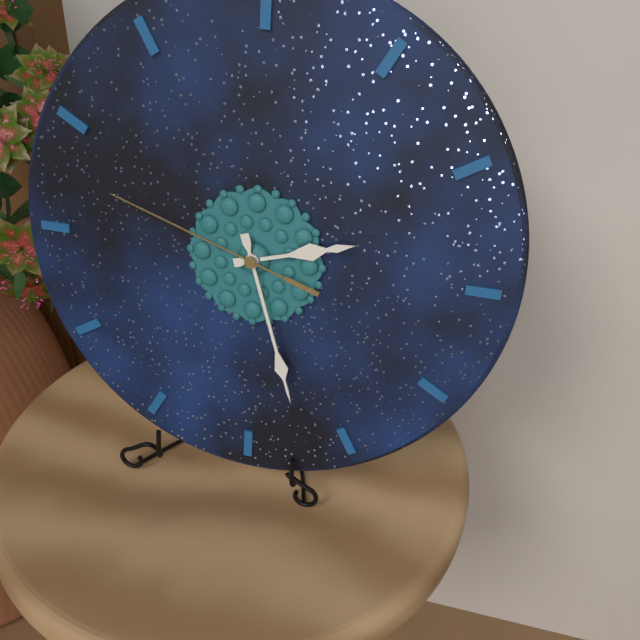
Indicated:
**2:27:48**
